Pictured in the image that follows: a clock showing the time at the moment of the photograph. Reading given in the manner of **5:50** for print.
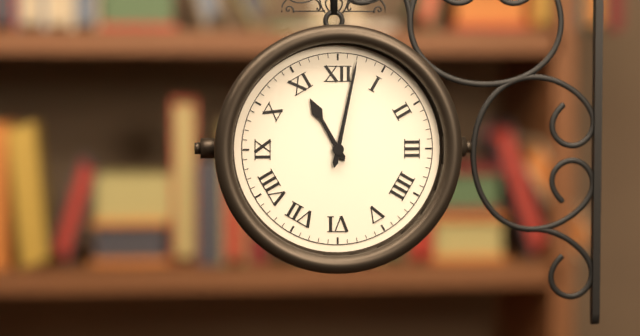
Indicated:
**11:02**
